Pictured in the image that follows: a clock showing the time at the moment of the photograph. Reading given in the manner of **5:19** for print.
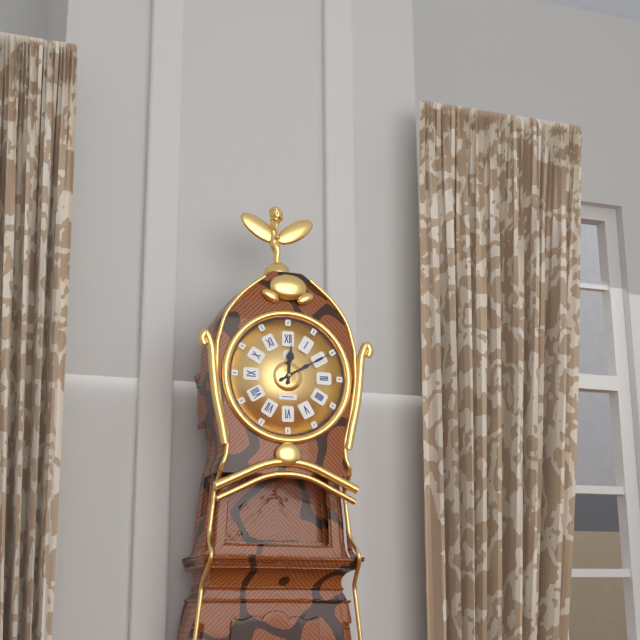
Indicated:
**12:10**
